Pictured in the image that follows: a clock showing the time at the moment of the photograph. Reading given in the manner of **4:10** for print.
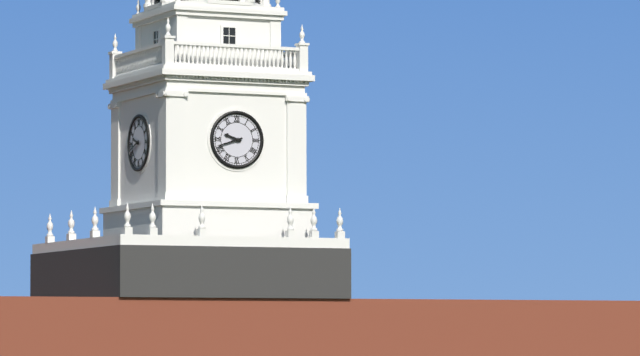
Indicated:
**9:42**
